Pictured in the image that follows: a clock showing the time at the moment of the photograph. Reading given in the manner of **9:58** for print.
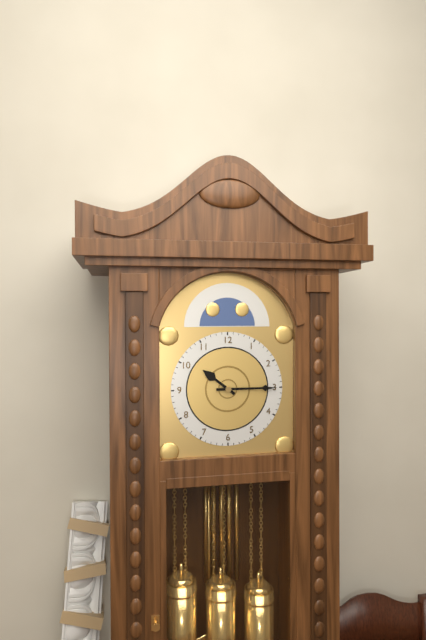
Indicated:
**10:15**
